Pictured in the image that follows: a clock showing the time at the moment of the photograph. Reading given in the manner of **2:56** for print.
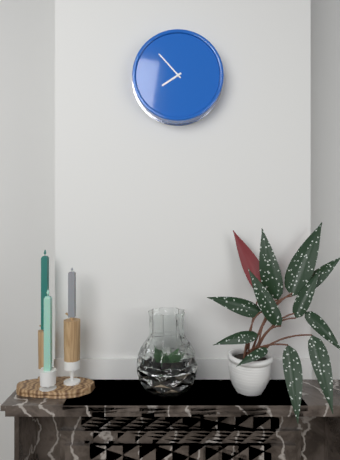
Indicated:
**7:53**
